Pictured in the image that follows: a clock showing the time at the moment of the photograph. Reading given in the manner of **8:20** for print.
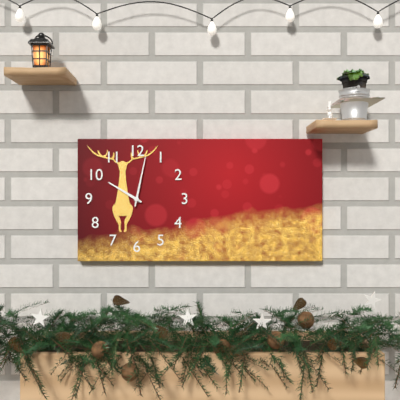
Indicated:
**10:02**
